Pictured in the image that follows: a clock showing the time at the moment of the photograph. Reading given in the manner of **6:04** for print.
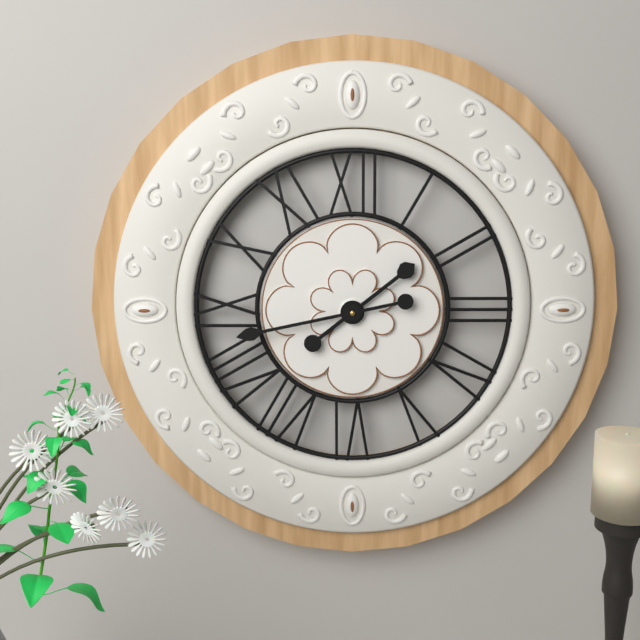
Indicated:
**1:43**
